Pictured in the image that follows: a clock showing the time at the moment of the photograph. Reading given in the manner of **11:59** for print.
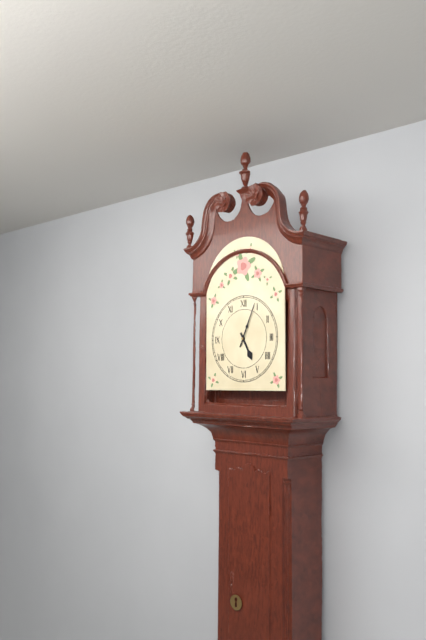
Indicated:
**5:04**
